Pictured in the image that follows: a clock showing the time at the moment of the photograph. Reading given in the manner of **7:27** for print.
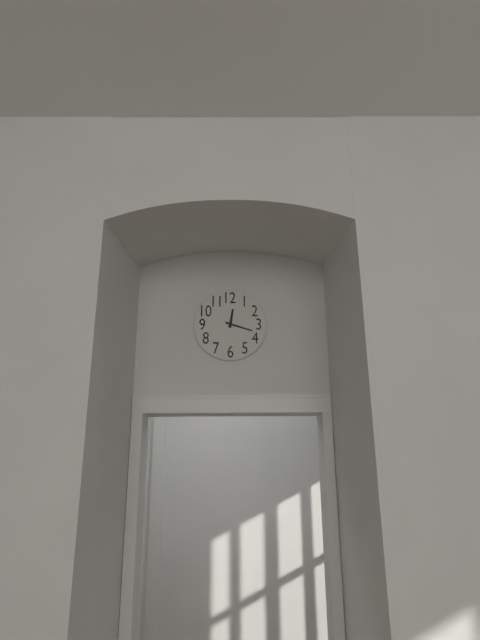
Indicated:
**12:18**
